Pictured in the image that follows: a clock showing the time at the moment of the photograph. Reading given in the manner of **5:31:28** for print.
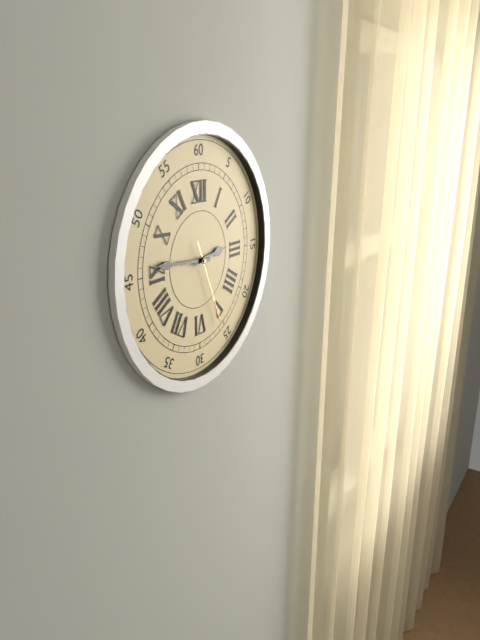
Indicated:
**2:46:26**
